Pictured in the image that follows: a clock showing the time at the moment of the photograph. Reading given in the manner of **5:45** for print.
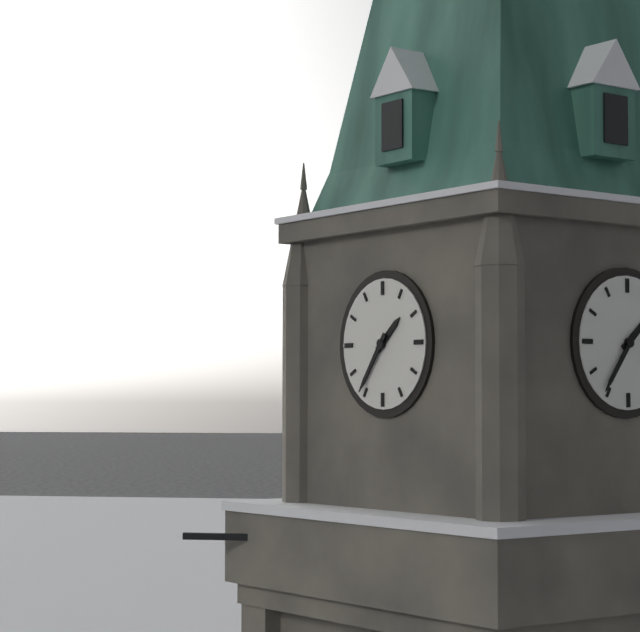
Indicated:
**1:36**
